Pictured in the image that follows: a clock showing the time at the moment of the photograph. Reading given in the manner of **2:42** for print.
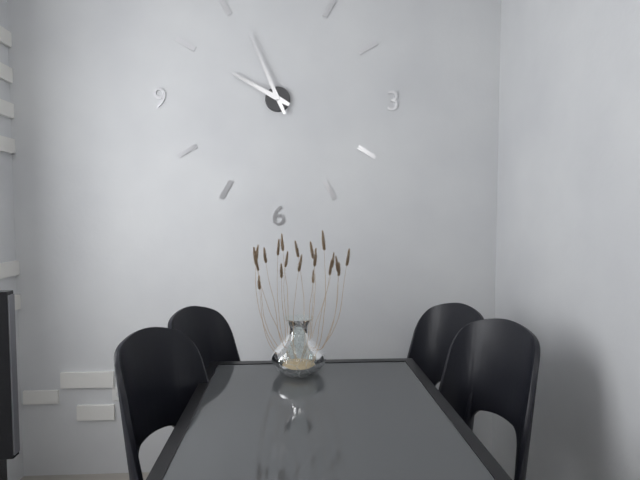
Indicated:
**9:56**
